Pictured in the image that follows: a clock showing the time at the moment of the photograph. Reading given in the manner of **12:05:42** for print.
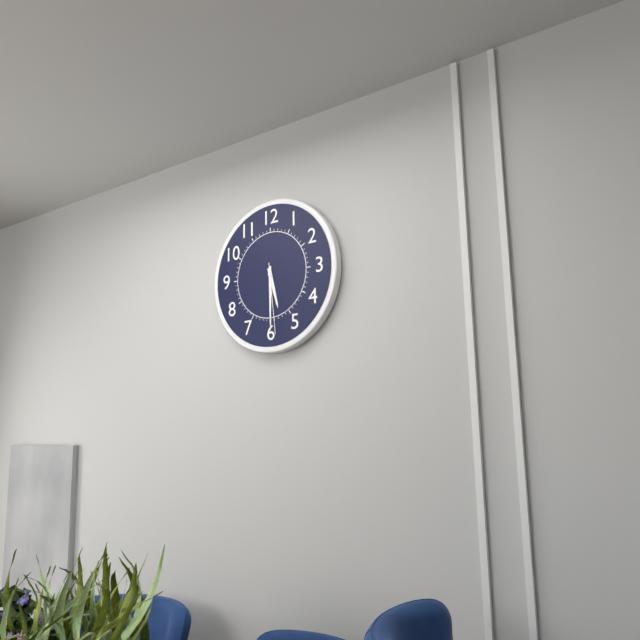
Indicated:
**5:30:29**
